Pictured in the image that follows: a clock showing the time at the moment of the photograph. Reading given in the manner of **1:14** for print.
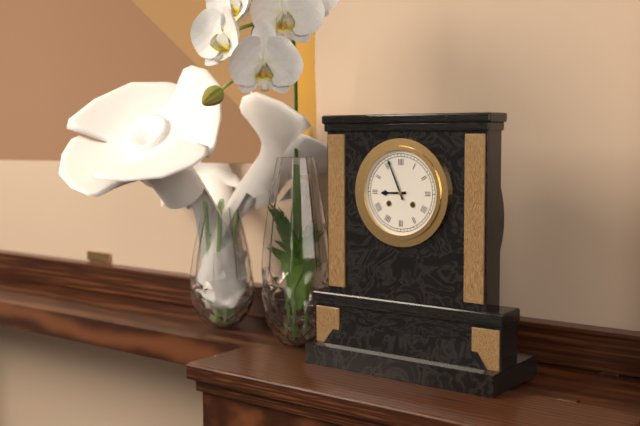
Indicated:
**8:56**
